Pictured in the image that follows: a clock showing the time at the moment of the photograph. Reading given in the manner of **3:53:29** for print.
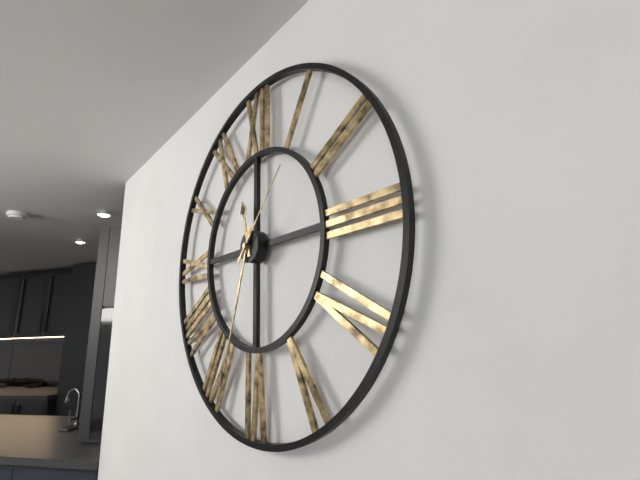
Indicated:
**11:33:07**
